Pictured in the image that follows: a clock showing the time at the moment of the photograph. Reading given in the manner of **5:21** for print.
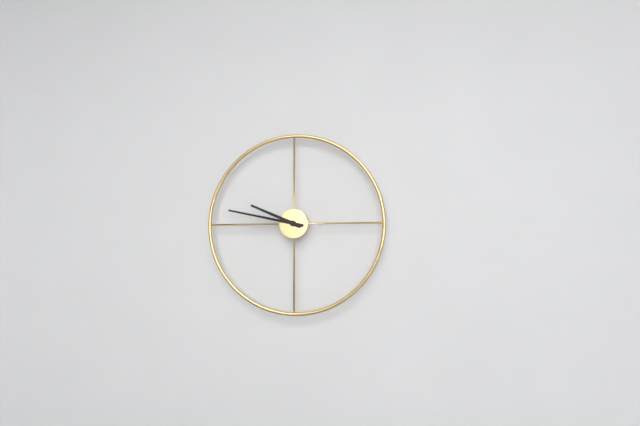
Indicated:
**9:47**
